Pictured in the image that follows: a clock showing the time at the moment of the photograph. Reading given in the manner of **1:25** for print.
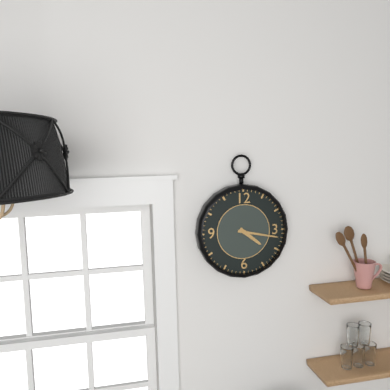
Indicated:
**4:17**
